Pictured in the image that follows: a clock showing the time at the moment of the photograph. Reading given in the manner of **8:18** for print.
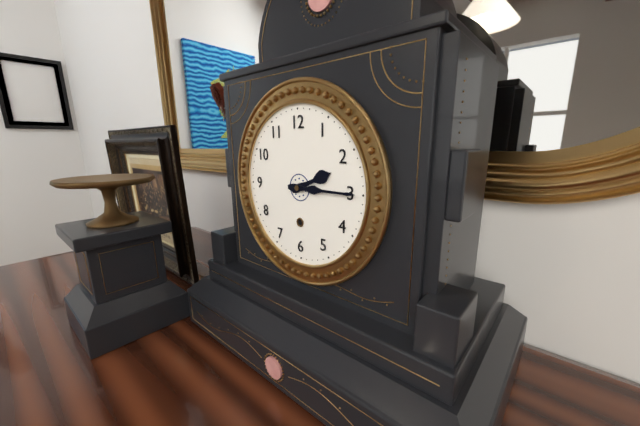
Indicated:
**2:15**
